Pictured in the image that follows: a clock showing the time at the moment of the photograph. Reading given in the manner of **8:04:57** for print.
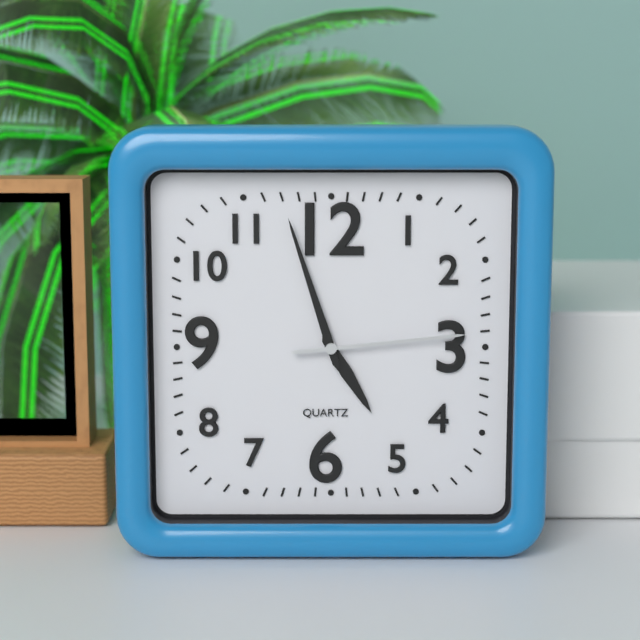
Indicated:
**4:57:14**
